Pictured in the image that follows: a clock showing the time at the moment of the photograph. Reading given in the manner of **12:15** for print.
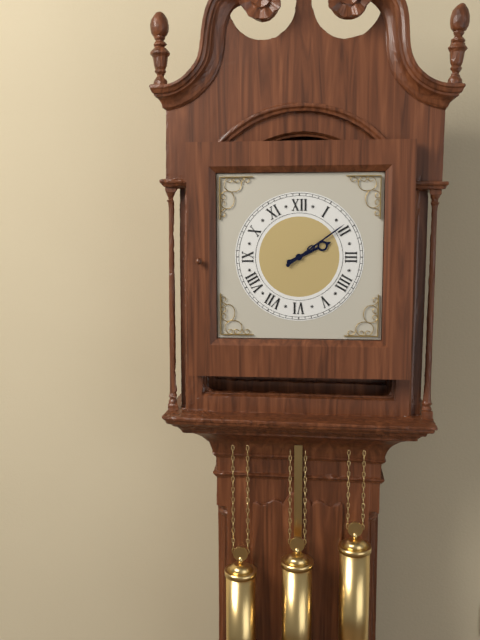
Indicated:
**2:09**
